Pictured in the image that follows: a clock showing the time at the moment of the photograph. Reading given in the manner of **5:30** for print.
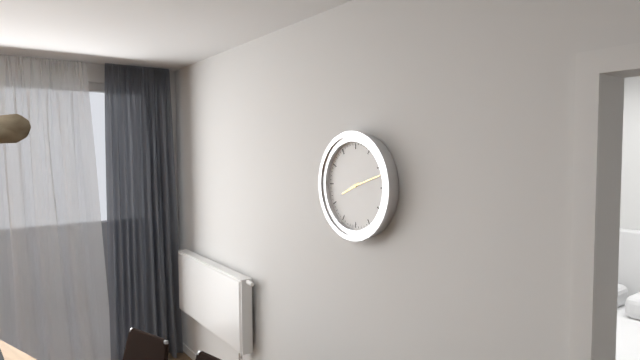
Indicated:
**8:12**
